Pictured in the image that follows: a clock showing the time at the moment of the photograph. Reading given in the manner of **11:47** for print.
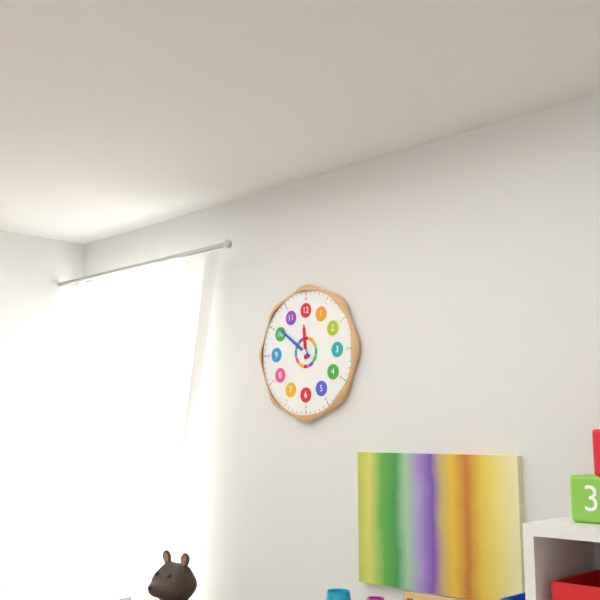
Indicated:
**11:51**
